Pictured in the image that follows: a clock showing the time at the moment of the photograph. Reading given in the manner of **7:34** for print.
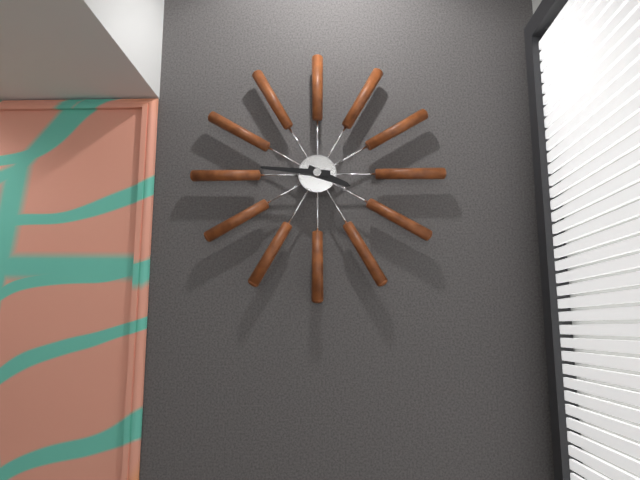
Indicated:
**3:46**
